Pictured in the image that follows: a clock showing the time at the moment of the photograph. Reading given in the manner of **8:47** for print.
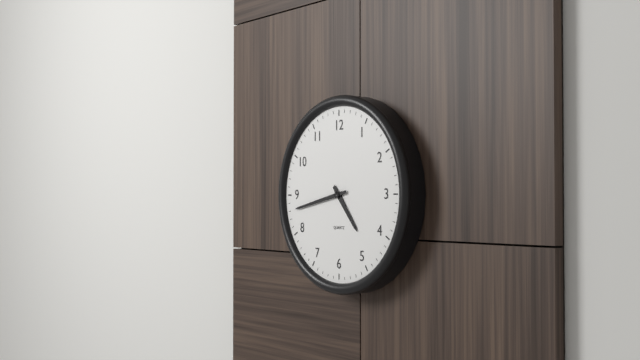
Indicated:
**4:43**
